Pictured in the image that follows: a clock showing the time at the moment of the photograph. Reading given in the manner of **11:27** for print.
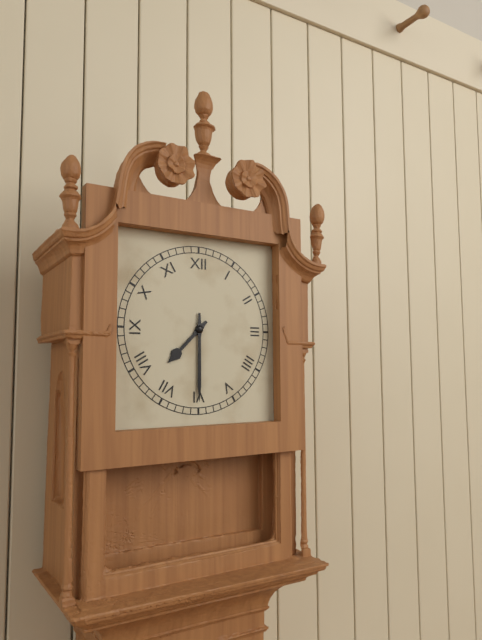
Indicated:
**7:30**
